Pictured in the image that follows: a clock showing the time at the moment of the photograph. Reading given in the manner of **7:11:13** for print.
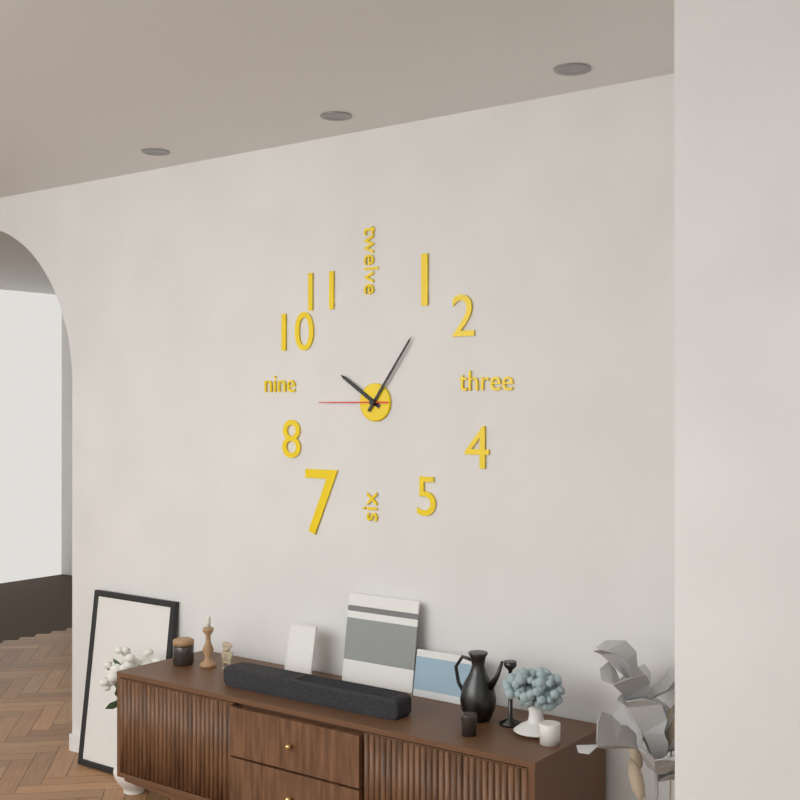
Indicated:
**10:06:45**
